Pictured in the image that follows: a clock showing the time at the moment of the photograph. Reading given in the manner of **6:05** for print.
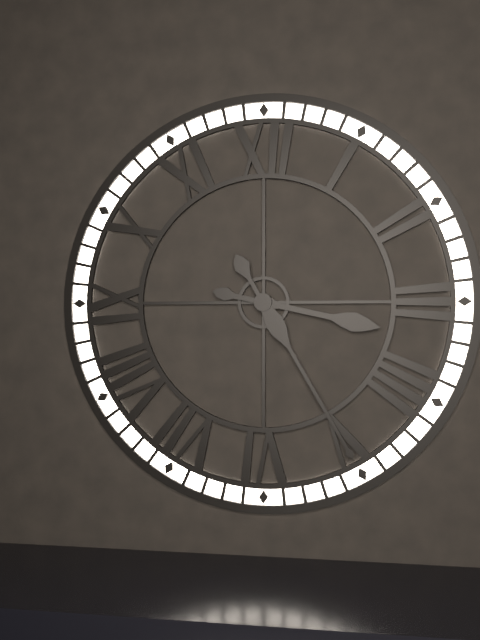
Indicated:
**3:25**
